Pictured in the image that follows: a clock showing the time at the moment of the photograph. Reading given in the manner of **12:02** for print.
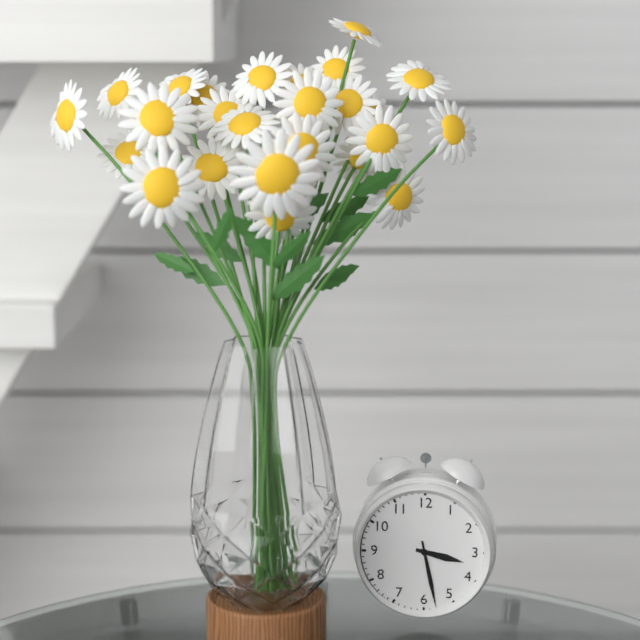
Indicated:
**3:28**
